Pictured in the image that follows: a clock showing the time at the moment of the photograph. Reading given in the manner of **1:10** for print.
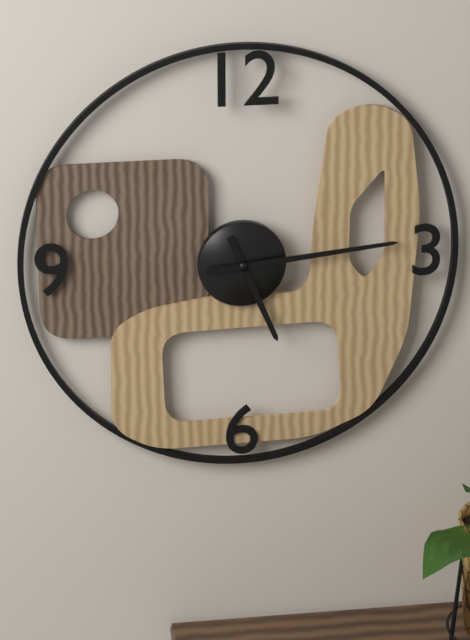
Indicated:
**5:14**
